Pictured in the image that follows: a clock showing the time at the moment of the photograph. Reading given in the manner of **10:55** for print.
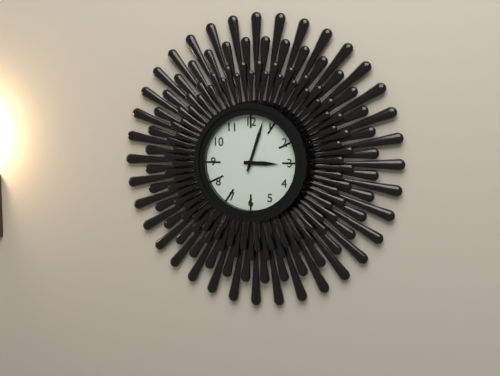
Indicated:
**3:03**
